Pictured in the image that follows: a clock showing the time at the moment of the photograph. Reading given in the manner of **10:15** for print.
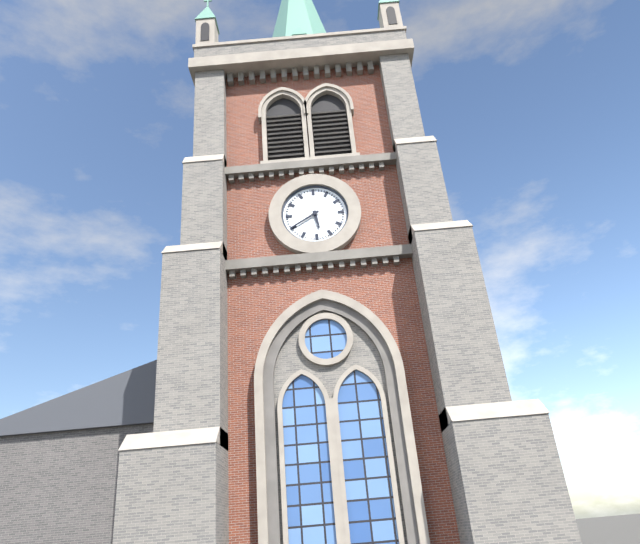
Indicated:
**5:40**
